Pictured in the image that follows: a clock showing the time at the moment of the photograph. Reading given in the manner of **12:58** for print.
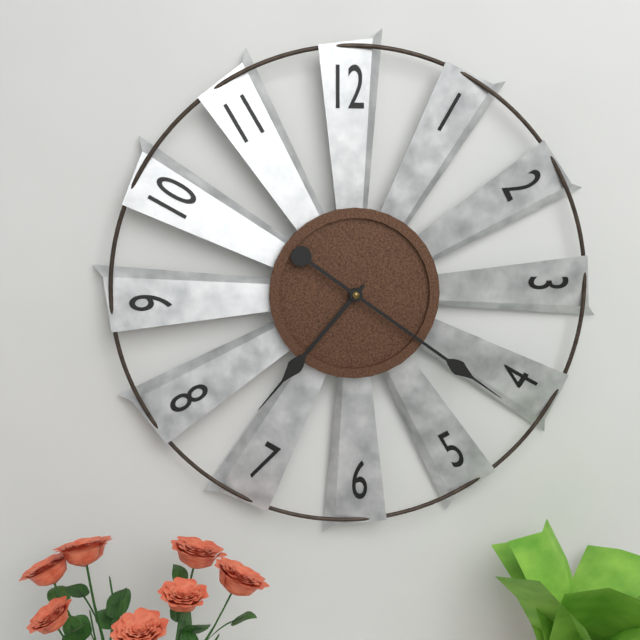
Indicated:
**7:21**
